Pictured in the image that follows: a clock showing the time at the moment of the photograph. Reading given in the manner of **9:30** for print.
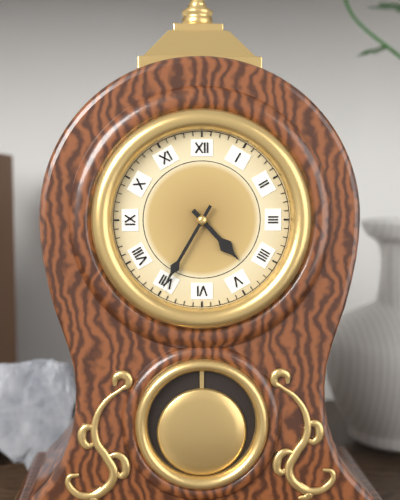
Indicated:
**4:35**
